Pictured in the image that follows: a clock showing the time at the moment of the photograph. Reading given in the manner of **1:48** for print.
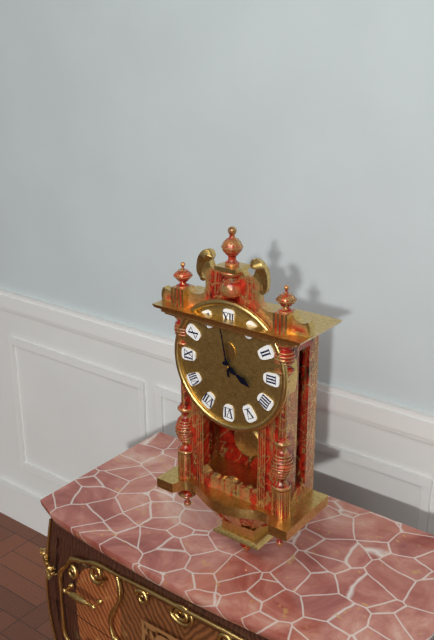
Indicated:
**3:58**
